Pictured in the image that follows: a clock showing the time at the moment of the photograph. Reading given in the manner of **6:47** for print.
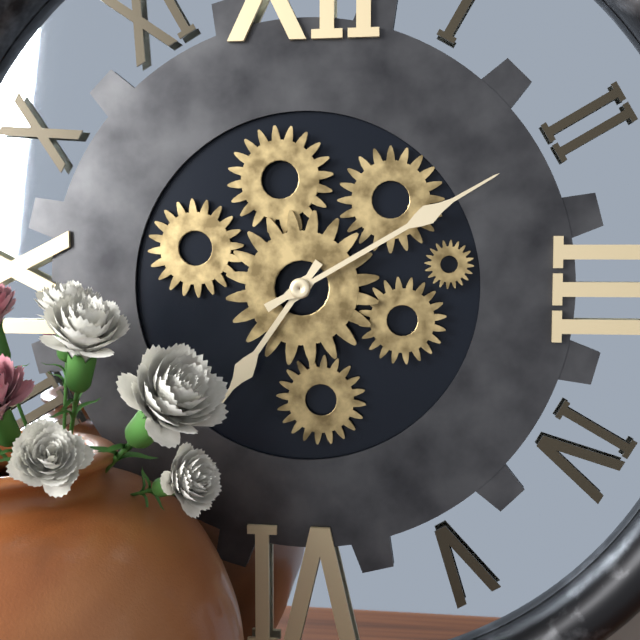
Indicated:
**7:10**
